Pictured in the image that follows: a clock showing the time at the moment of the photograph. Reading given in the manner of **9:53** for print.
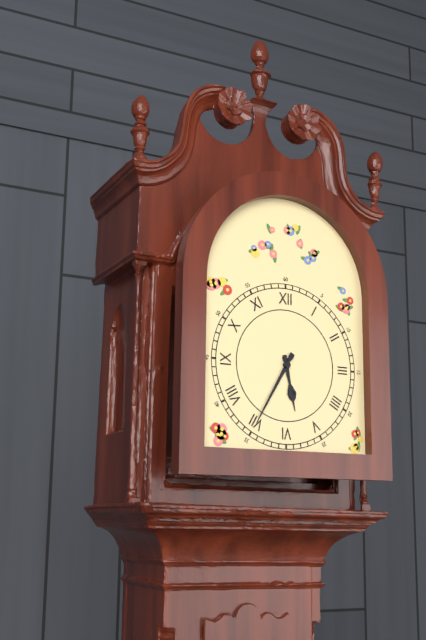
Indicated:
**5:35**
